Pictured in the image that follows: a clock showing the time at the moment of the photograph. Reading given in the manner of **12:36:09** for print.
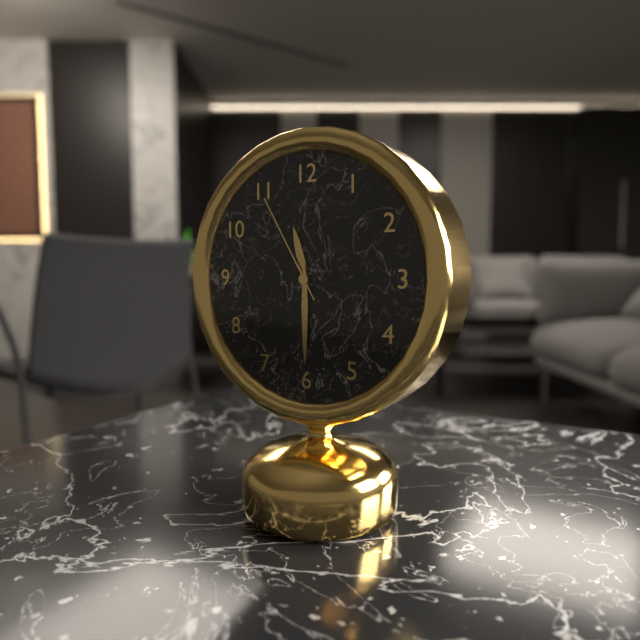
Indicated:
**11:30:55**
